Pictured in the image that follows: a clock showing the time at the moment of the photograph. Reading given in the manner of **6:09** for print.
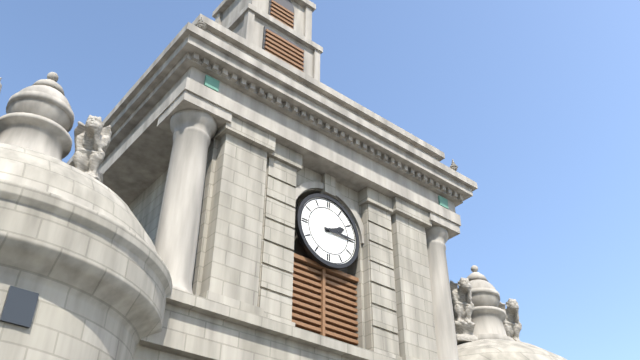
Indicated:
**2:15**
